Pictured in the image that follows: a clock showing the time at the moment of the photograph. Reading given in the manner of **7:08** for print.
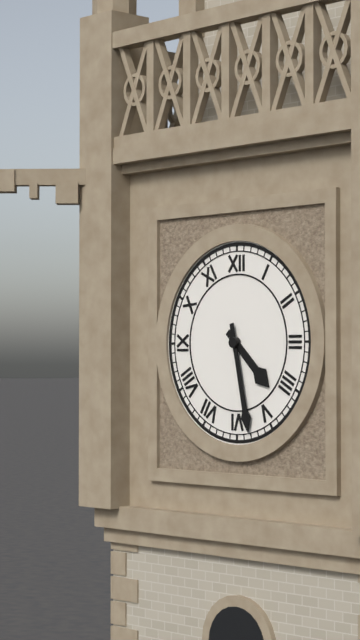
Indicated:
**4:28**
